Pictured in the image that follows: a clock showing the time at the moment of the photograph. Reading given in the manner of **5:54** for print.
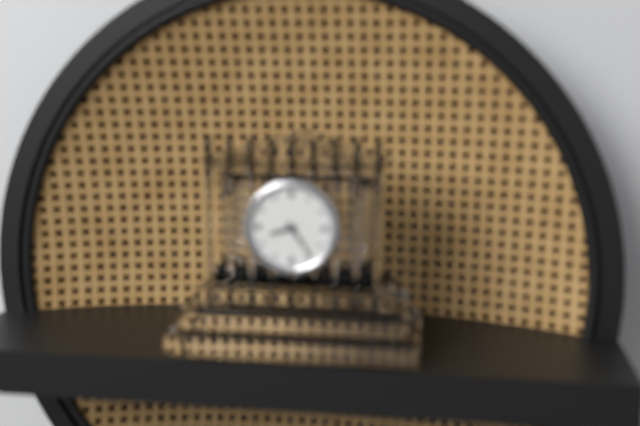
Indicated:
**8:24**
